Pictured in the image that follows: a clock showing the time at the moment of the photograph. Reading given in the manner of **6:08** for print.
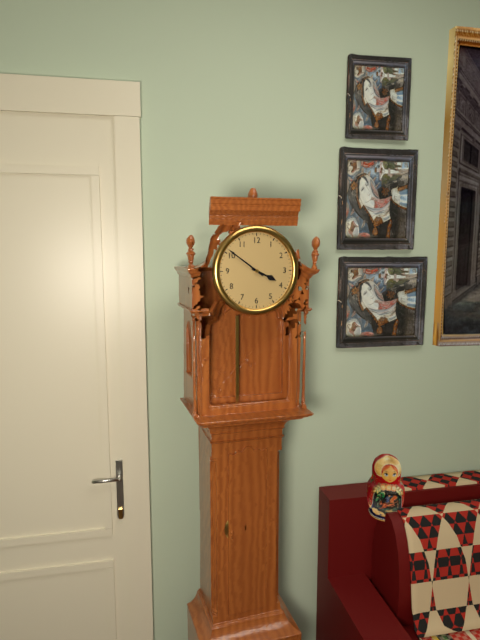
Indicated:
**3:51**
